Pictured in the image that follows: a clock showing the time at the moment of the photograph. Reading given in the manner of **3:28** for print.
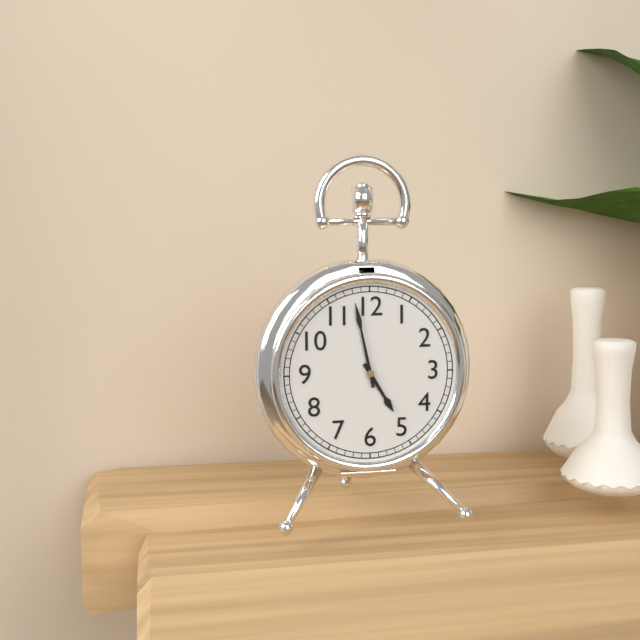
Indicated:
**4:58**
